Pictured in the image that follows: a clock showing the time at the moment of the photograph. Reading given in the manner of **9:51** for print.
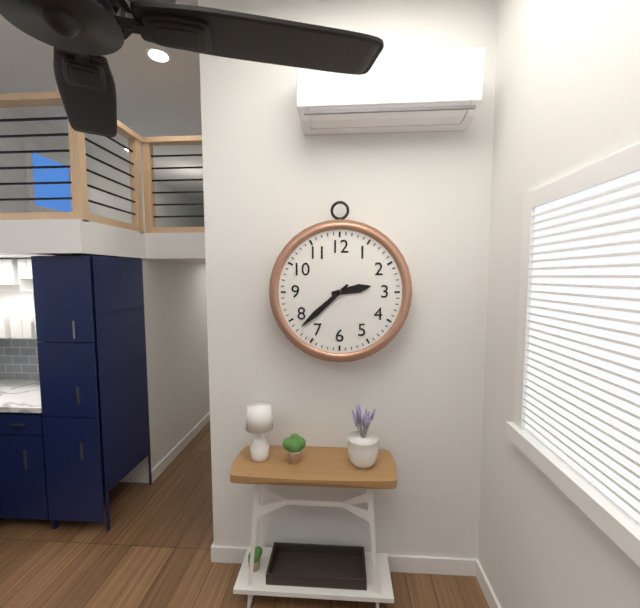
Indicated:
**2:38**
